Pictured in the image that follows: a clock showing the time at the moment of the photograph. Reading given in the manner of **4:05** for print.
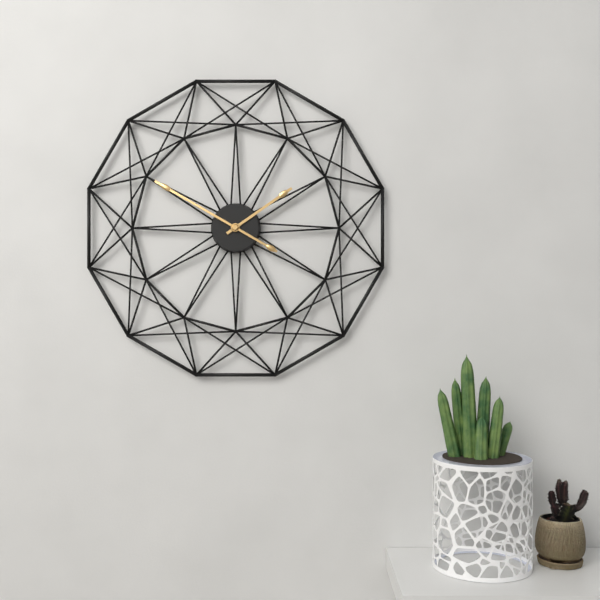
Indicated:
**1:50**
